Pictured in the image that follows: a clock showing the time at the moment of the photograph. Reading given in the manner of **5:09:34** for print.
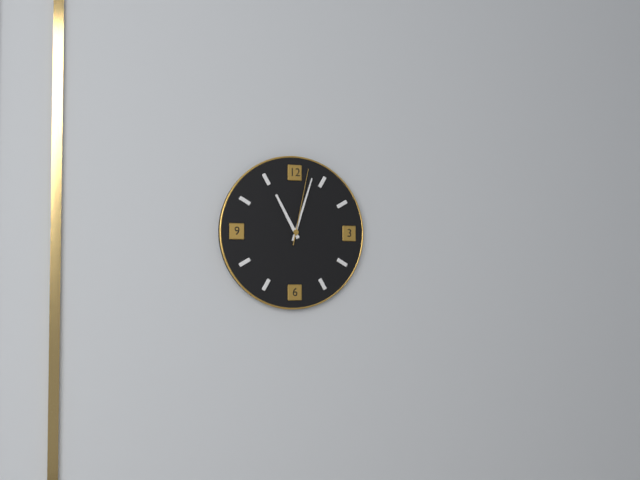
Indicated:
**11:03:02**
